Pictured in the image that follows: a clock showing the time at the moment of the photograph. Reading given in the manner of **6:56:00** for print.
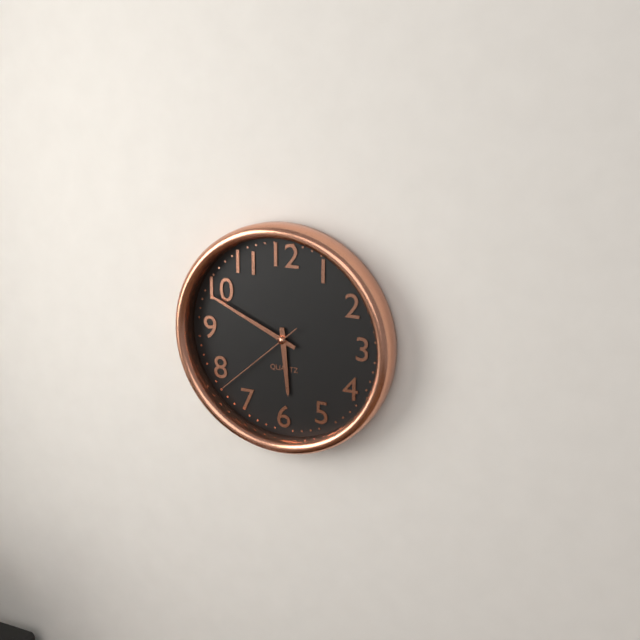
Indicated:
**5:49:38**
